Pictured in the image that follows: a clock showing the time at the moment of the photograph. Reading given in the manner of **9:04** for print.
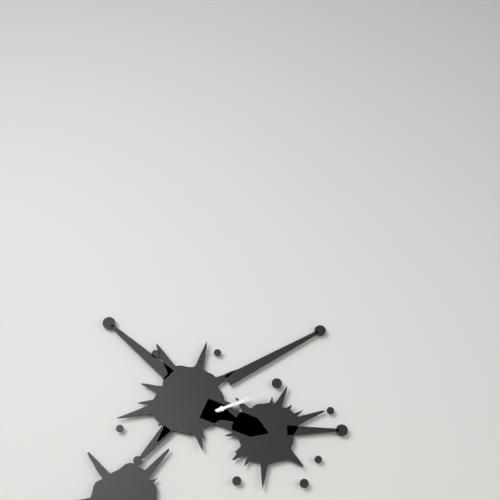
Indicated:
**2:12**
